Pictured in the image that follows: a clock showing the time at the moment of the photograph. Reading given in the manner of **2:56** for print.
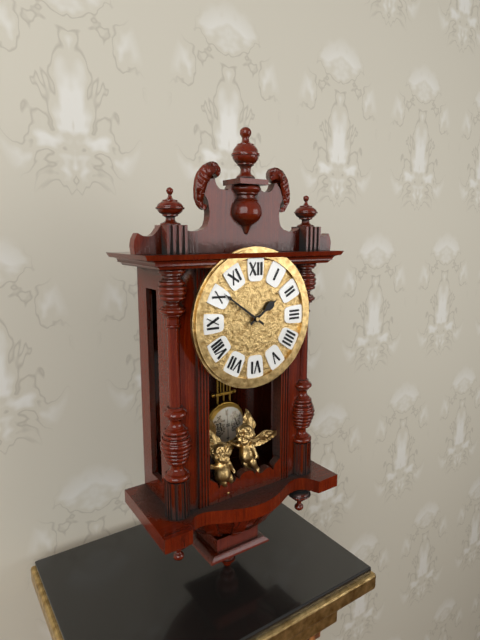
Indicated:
**1:51**
